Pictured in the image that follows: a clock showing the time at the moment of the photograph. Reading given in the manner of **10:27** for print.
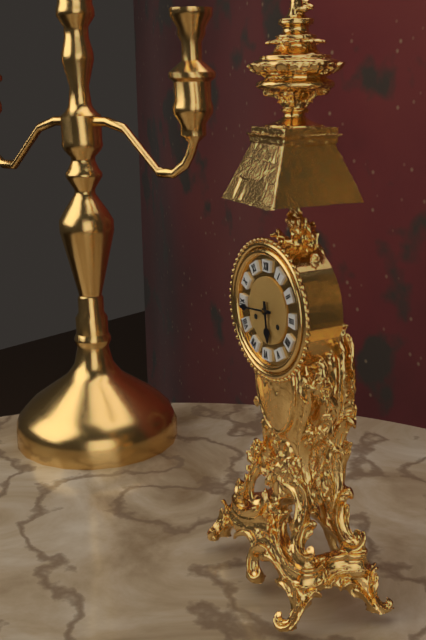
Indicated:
**5:44**
